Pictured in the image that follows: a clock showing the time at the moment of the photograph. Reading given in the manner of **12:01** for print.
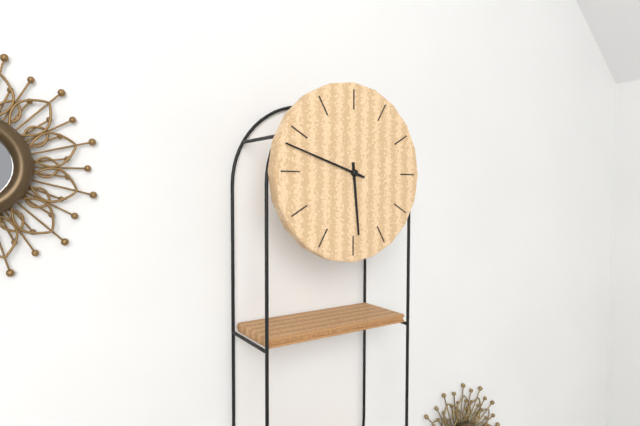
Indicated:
**5:48**
